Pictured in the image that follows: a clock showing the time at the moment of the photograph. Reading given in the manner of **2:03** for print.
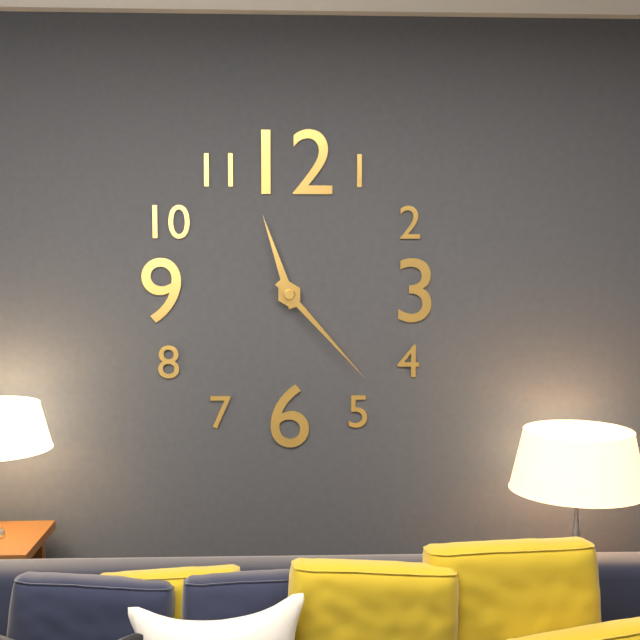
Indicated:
**11:23**
